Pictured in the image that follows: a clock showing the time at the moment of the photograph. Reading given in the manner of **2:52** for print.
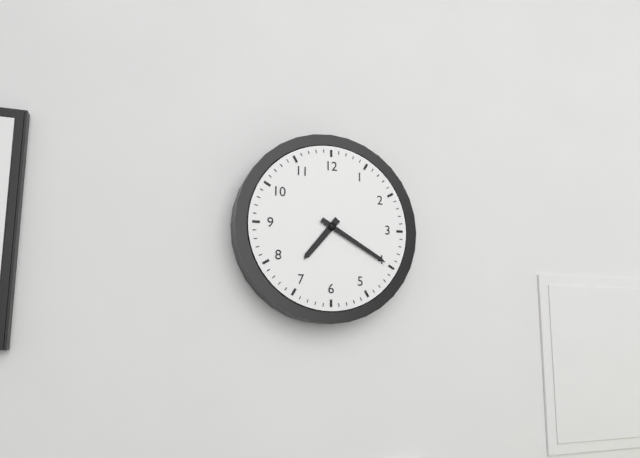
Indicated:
**7:20**
